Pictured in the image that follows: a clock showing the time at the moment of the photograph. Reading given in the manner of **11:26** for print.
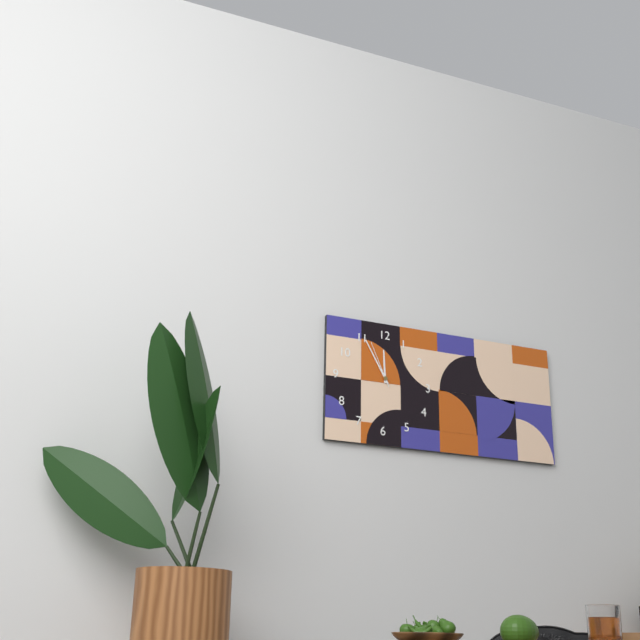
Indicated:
**11:55**
